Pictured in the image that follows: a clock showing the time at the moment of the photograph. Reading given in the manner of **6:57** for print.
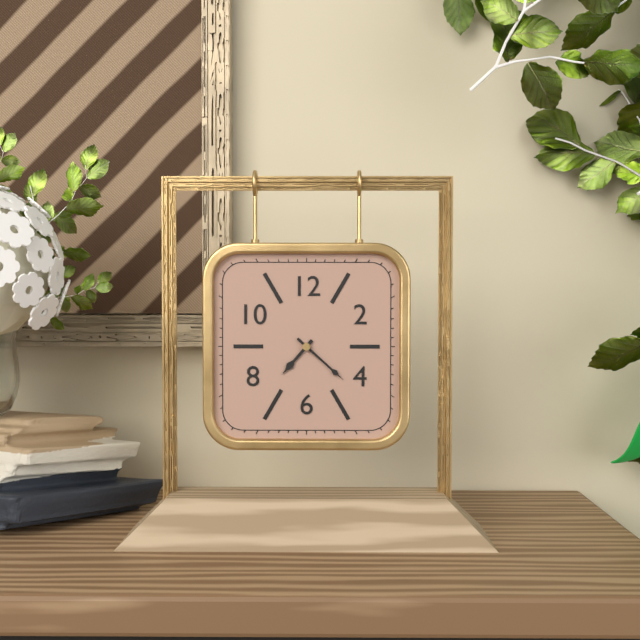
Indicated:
**7:22**
